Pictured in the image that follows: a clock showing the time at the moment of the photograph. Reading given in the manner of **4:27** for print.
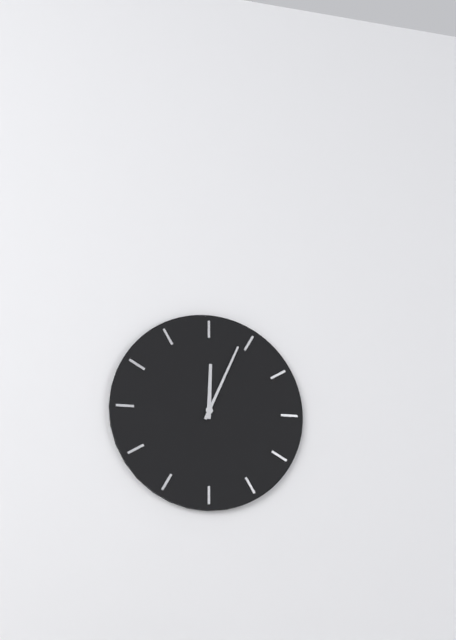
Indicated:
**12:04**
